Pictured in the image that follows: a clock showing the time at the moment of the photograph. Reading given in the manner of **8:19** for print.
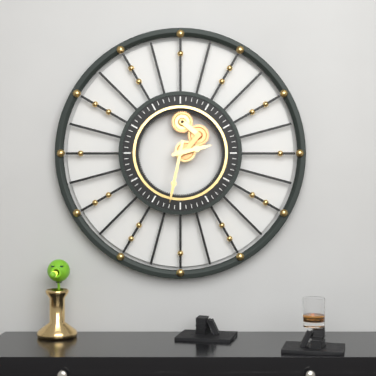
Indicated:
**2:32**
